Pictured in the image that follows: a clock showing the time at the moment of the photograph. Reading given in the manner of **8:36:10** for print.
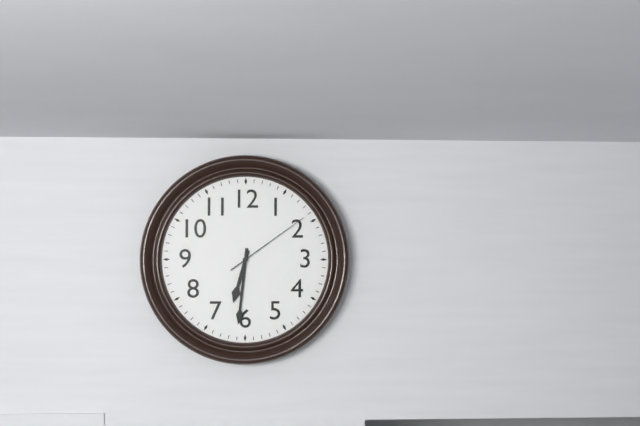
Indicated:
**6:31:09**
